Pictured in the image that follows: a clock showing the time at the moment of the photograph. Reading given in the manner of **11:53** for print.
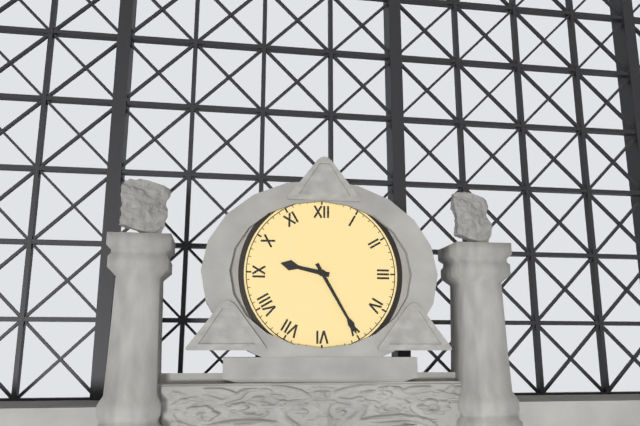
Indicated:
**9:25**
